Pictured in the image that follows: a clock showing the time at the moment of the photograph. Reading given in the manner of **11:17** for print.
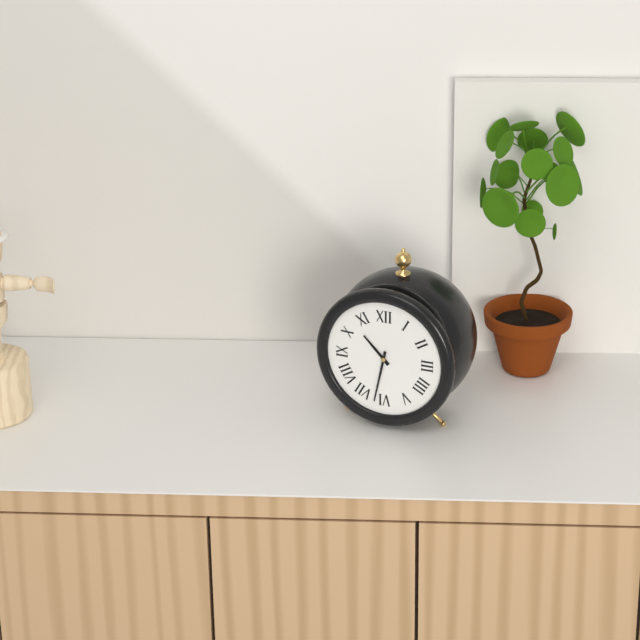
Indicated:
**10:32**
